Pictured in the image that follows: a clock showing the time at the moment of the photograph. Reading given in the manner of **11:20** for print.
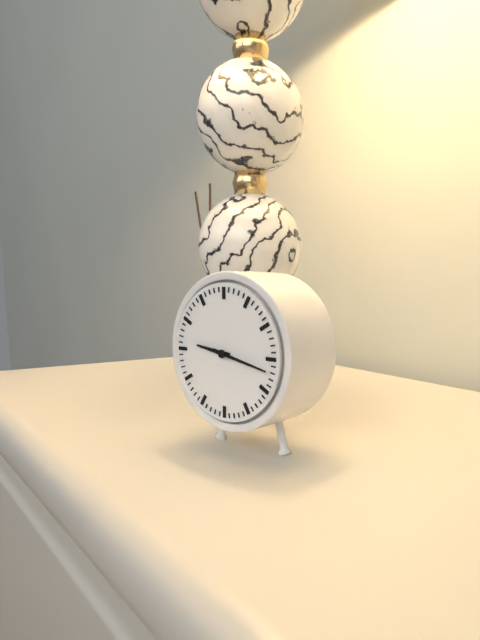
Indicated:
**9:17**
